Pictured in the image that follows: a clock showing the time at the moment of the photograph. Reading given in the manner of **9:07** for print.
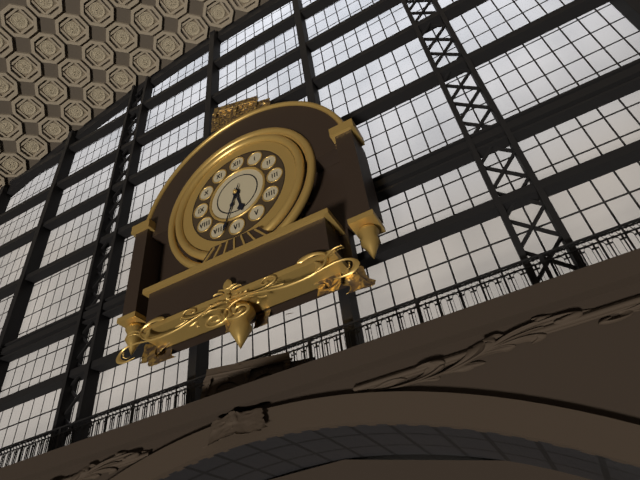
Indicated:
**5:33**
